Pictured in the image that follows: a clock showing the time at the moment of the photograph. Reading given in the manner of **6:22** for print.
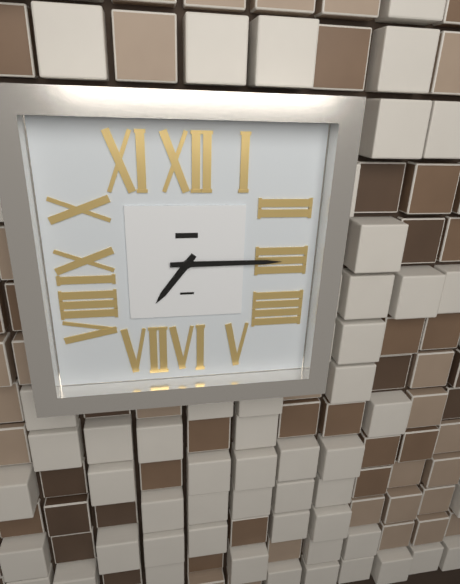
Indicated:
**7:15**
